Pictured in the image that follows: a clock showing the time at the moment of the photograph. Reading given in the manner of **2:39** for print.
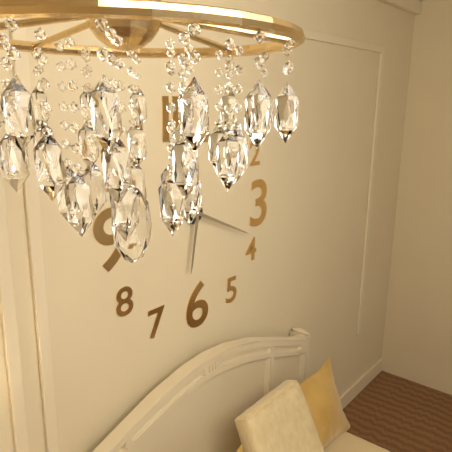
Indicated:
**6:19**
